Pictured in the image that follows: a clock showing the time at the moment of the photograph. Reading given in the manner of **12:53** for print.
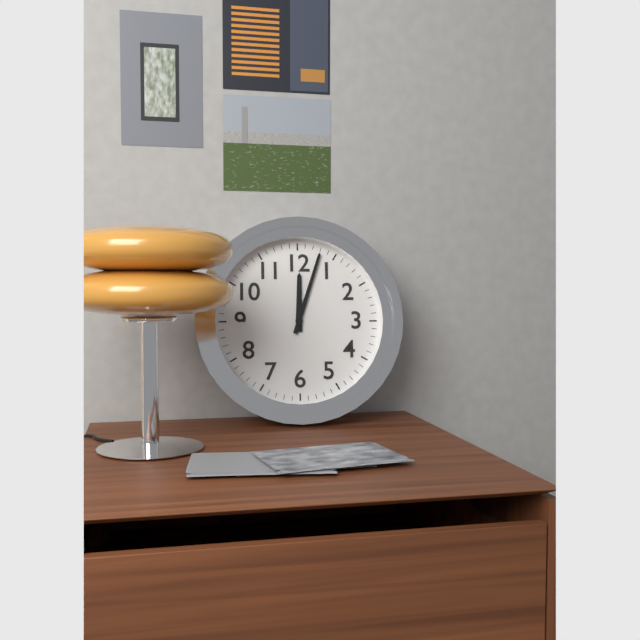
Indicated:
**12:03**
